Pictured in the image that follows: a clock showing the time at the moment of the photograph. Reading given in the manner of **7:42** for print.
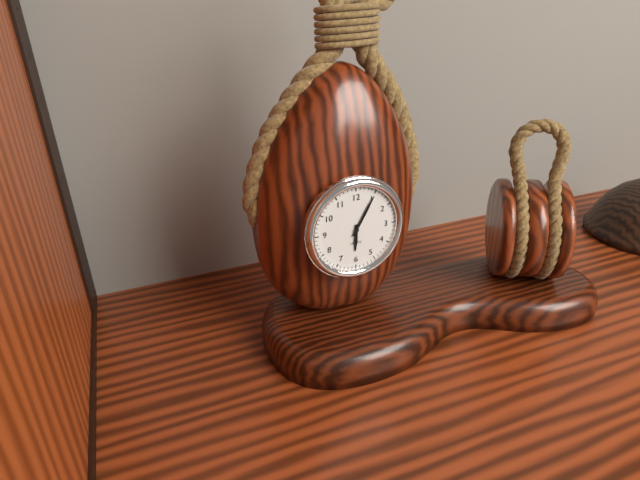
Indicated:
**6:05**
